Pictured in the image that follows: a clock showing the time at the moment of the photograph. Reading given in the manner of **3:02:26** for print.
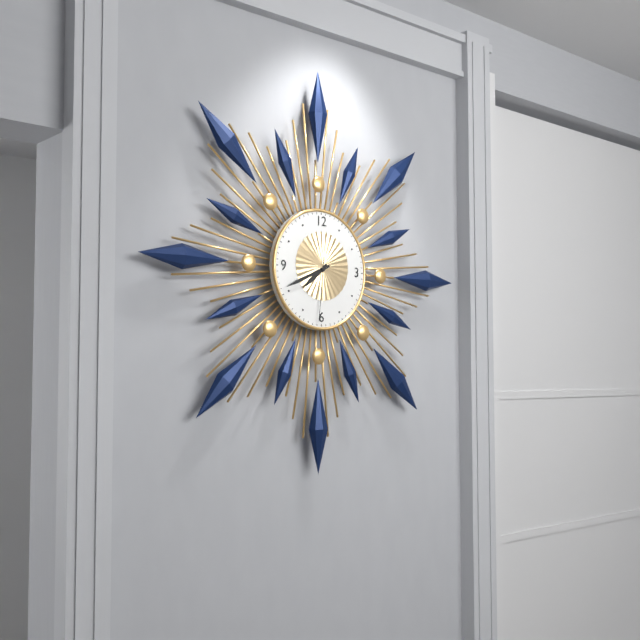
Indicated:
**7:41:31**
